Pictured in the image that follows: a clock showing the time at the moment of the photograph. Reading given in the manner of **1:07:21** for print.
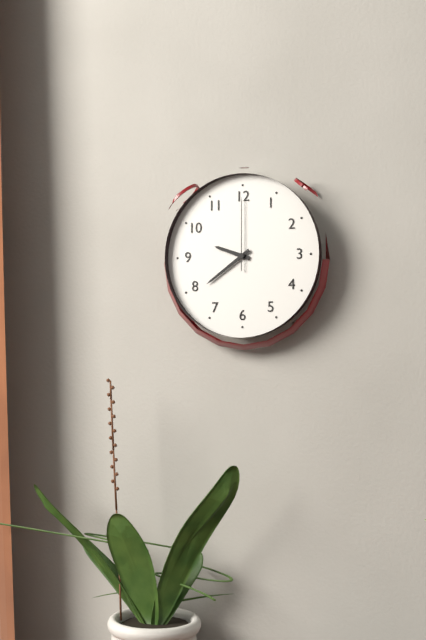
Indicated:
**9:39:00**
